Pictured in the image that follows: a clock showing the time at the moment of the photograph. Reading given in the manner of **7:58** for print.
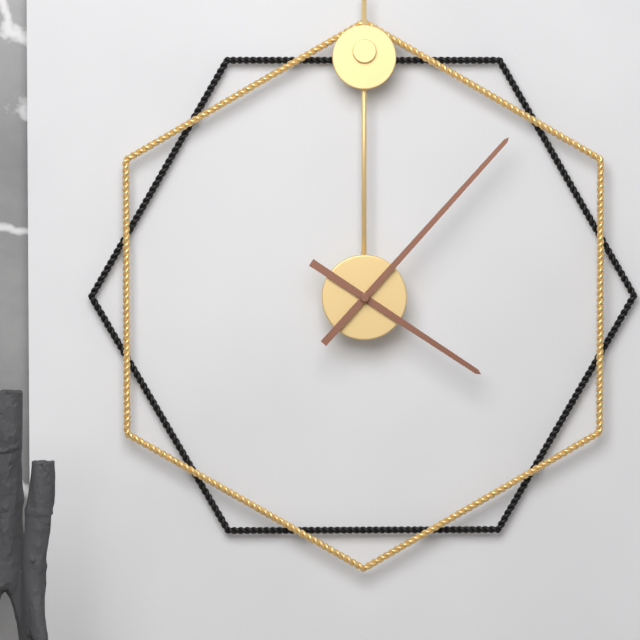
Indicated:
**4:07**
